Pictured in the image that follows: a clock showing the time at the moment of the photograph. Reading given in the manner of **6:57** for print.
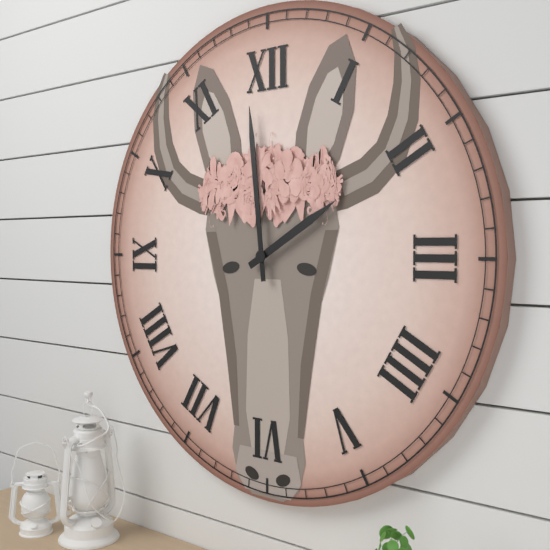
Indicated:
**1:59**
